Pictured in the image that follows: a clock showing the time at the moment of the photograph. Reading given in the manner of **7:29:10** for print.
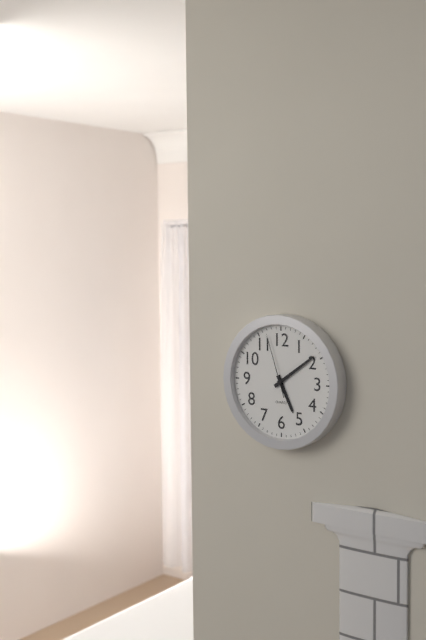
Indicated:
**5:09:57**
